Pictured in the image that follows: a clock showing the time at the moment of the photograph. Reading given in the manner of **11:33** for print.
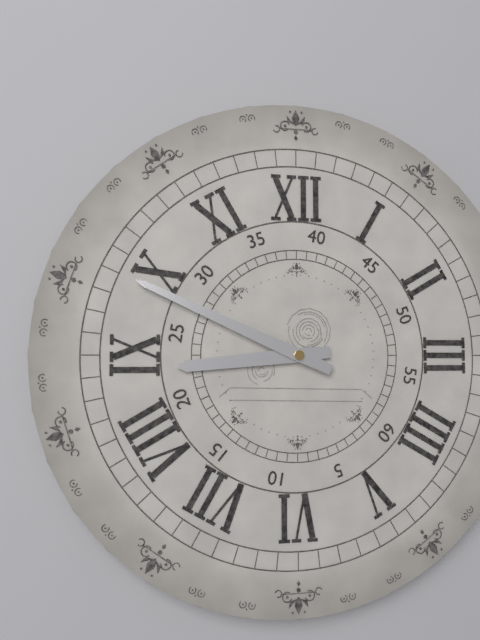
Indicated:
**8:49**
